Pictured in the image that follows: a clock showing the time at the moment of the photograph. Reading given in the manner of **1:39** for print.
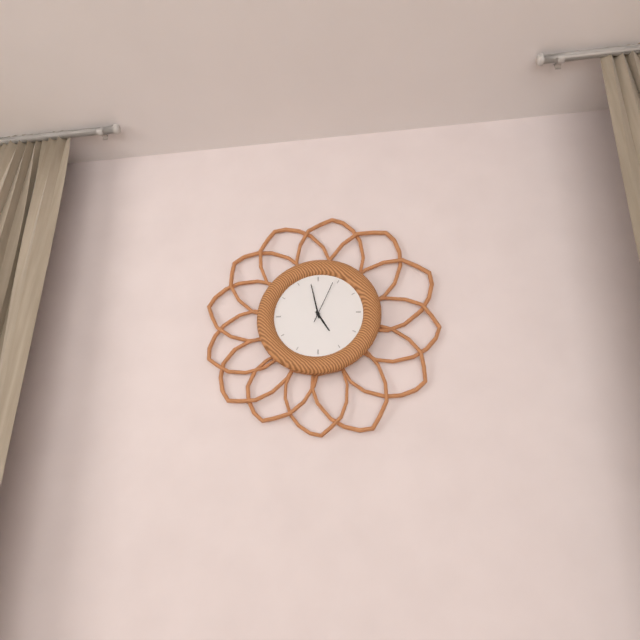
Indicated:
**4:58**
